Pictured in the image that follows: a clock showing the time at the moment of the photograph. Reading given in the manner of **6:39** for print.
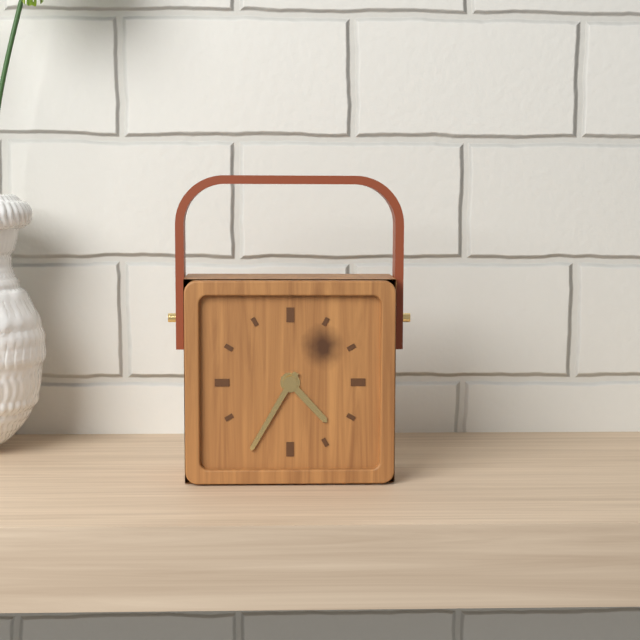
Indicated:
**4:35**
